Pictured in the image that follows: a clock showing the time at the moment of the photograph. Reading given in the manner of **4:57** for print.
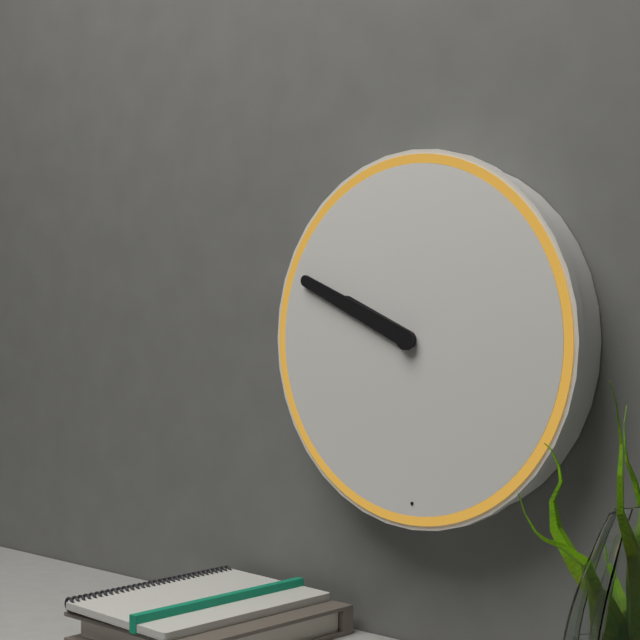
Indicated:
**9:49**
